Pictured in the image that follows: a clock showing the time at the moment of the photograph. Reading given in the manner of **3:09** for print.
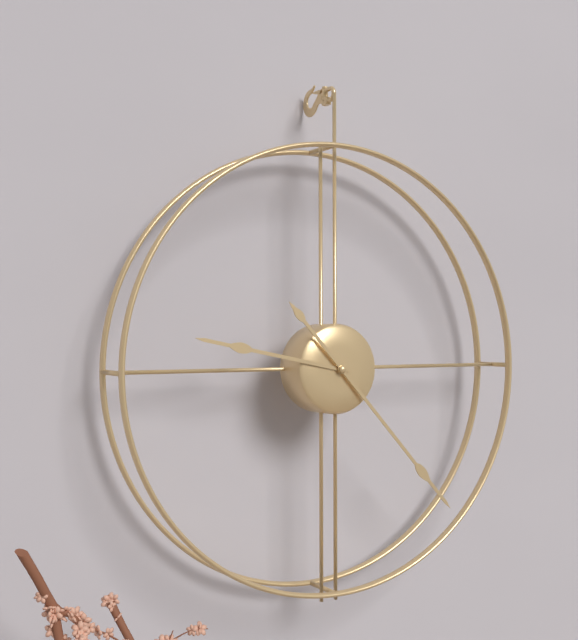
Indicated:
**9:23**
